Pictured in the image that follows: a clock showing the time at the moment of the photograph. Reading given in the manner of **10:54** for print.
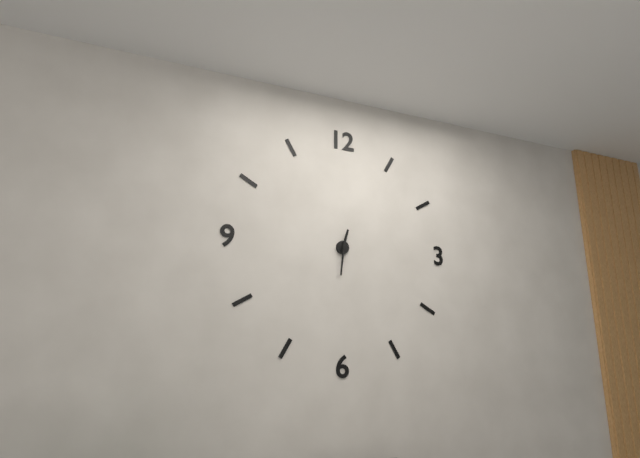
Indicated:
**12:31**
